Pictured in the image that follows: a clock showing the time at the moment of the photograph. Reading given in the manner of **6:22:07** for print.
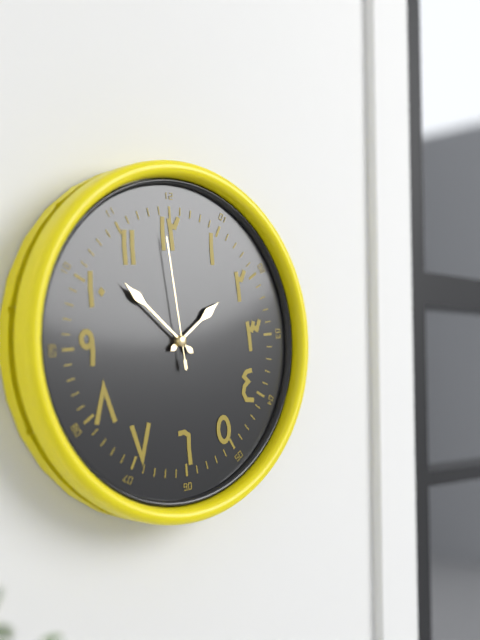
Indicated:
**1:52:59**
